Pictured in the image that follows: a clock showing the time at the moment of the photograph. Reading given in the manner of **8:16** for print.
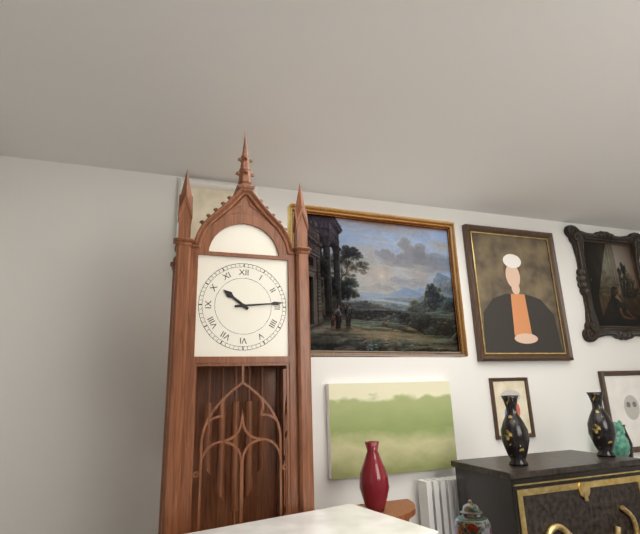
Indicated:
**10:14**
